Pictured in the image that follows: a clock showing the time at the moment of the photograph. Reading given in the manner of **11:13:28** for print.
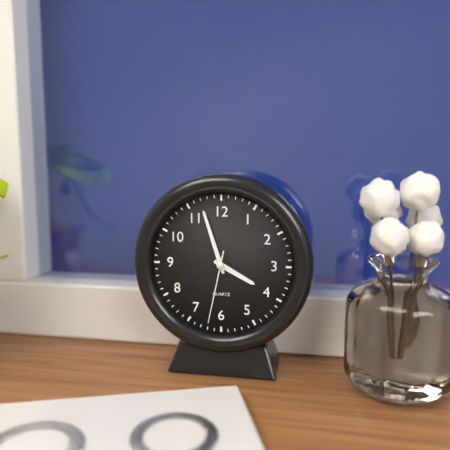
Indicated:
**3:57:32**
